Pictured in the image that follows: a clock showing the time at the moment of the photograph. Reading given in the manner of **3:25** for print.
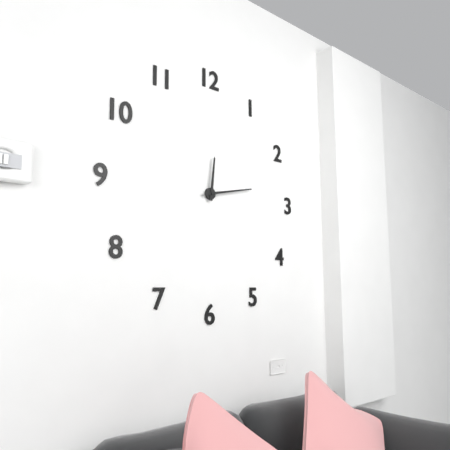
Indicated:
**12:13**
